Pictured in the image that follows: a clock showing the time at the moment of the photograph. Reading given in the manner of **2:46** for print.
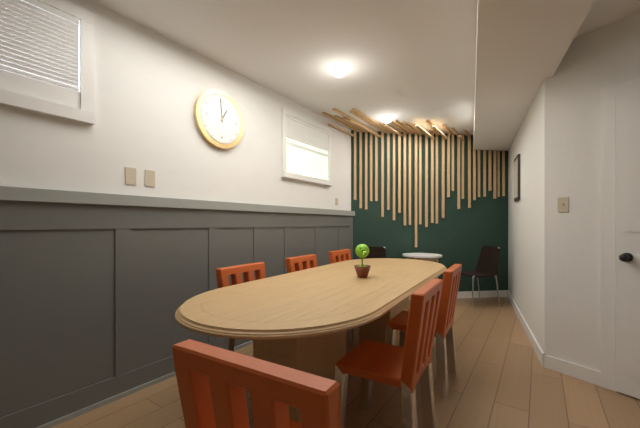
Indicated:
**12:59**
